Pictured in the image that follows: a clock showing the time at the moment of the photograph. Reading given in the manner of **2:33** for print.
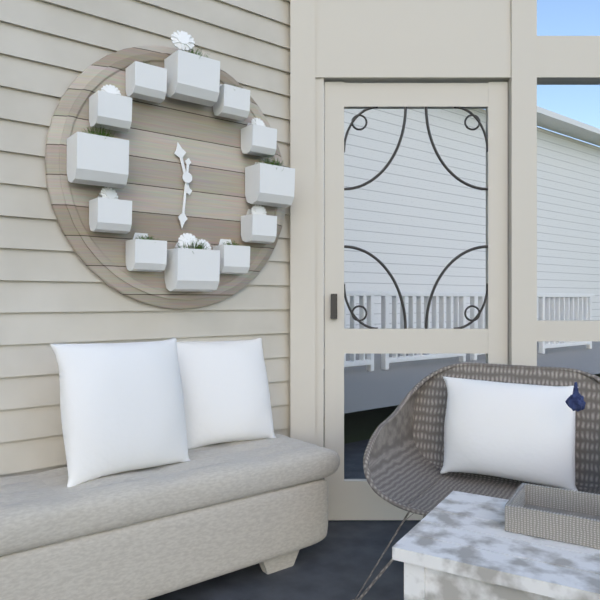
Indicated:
**11:31**
